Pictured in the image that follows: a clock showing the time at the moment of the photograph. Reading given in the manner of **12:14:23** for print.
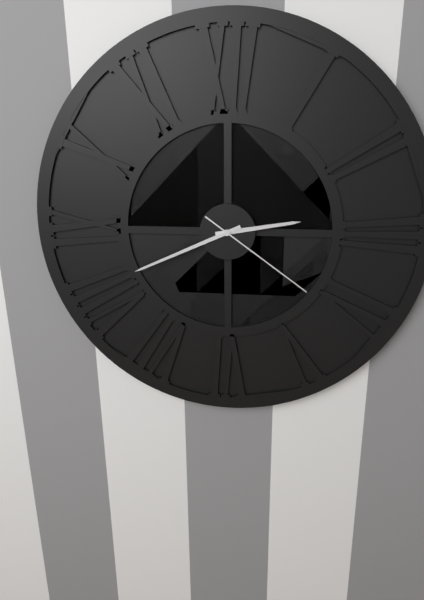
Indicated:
**2:41:21**
